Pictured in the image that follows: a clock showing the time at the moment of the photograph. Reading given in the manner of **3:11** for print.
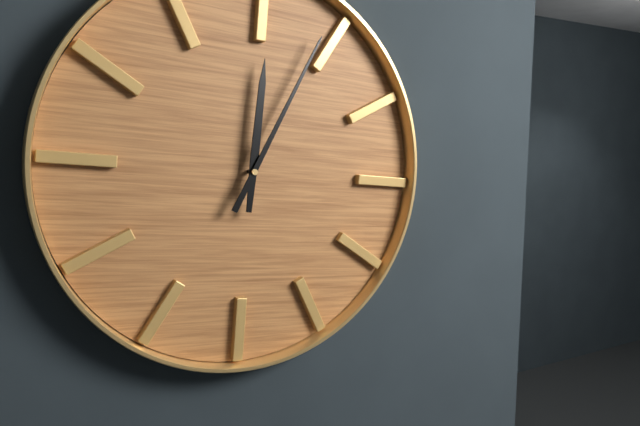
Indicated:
**12:04**
